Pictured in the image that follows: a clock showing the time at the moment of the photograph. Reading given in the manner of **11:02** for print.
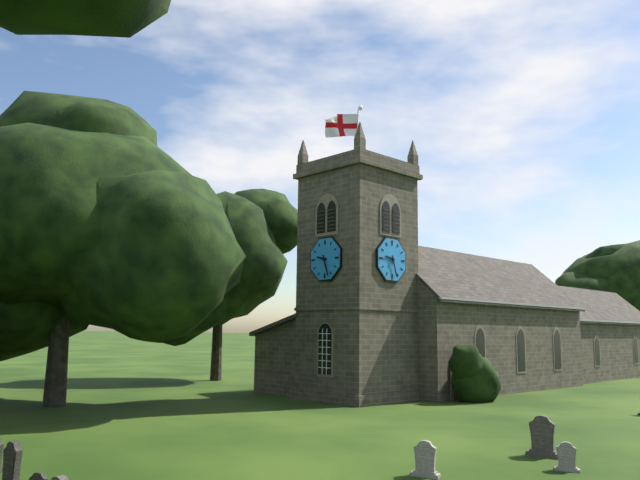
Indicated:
**9:27**
